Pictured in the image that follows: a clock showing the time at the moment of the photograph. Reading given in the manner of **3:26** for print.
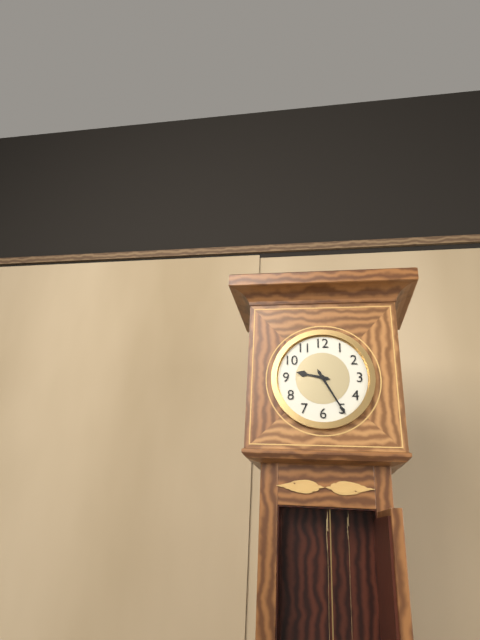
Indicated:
**9:25**
